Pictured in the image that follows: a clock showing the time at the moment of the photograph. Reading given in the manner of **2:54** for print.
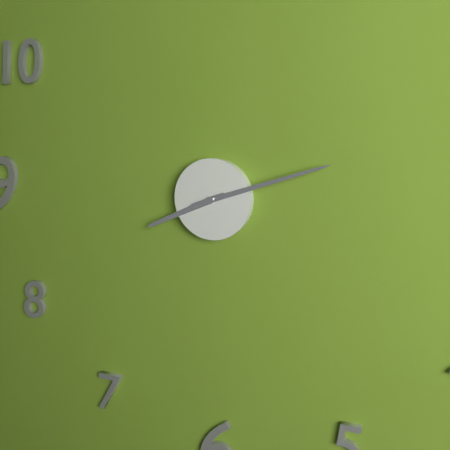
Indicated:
**8:12**
